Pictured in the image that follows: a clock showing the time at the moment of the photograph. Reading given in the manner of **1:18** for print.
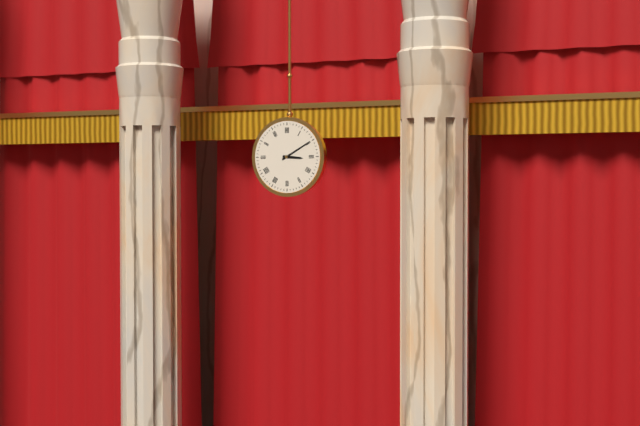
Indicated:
**3:10**
